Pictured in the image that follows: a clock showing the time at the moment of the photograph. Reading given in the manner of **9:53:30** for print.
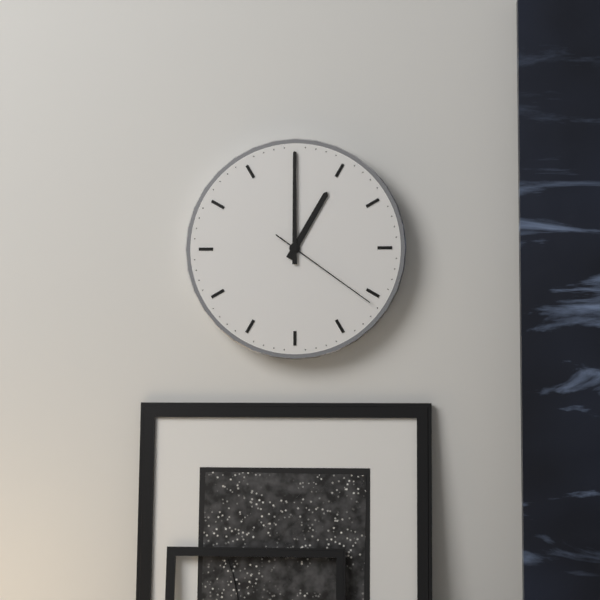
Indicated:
**1:00:21**
